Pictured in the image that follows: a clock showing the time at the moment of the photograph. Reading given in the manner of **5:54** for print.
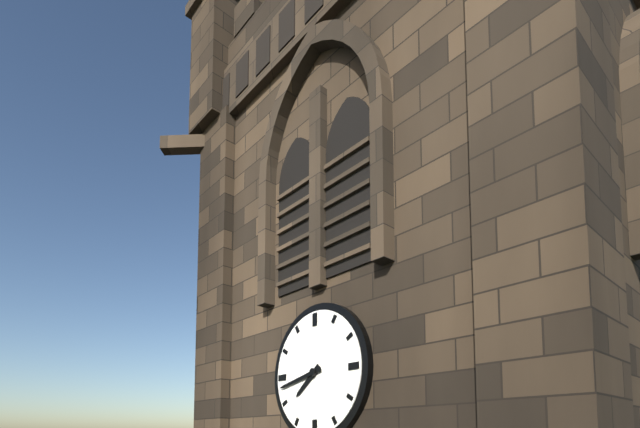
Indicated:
**7:43**
